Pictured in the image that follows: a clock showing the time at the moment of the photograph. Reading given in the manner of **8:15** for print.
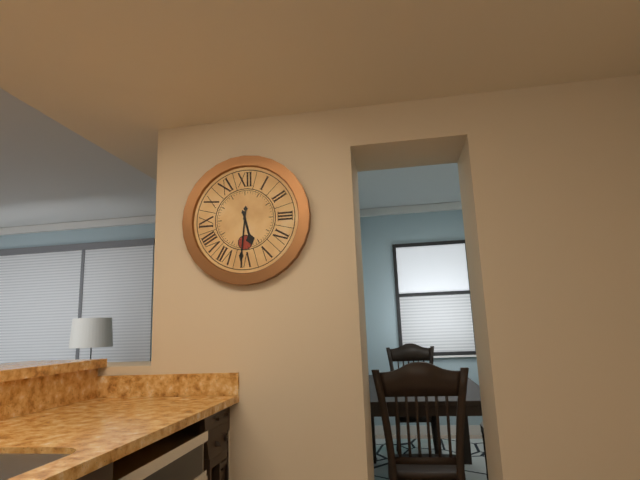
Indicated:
**5:31**
